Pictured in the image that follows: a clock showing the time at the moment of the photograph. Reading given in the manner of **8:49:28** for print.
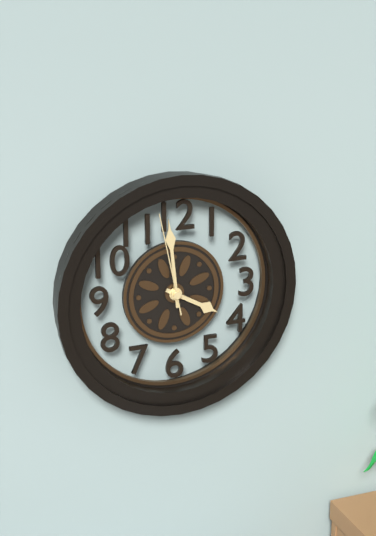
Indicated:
**3:59:58**
